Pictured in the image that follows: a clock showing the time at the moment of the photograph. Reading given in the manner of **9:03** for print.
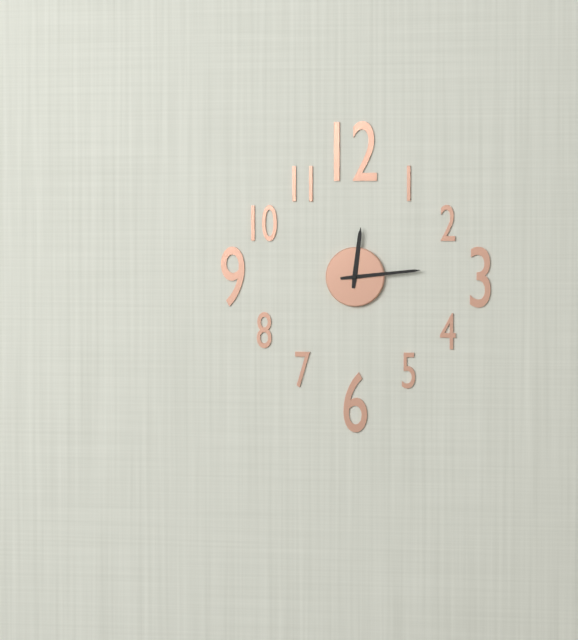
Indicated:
**12:14**
